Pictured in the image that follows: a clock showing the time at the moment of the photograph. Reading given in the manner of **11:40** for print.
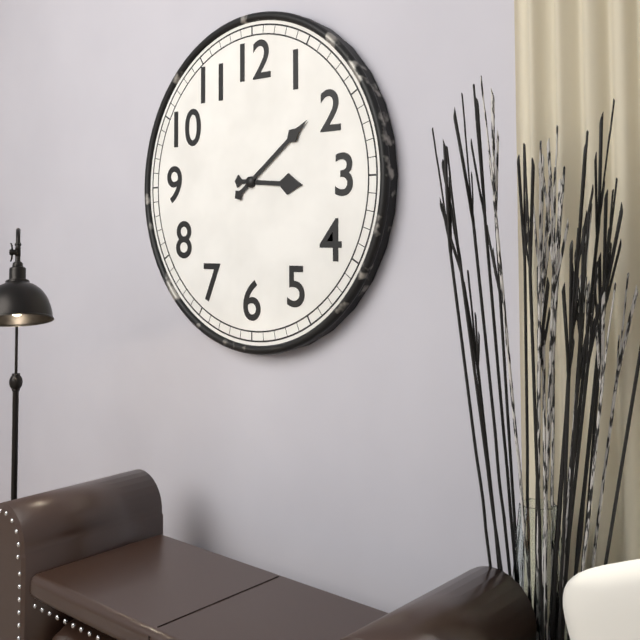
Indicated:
**3:09**
